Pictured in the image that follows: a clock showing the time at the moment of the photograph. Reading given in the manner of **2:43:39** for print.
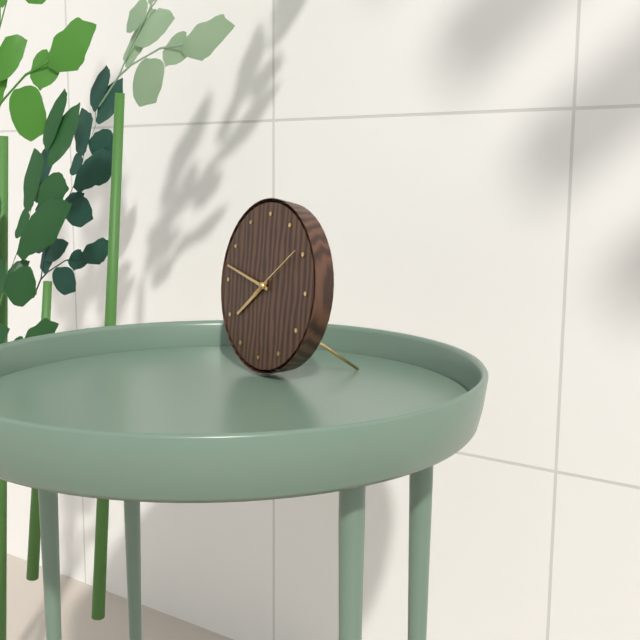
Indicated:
**7:47:09**
